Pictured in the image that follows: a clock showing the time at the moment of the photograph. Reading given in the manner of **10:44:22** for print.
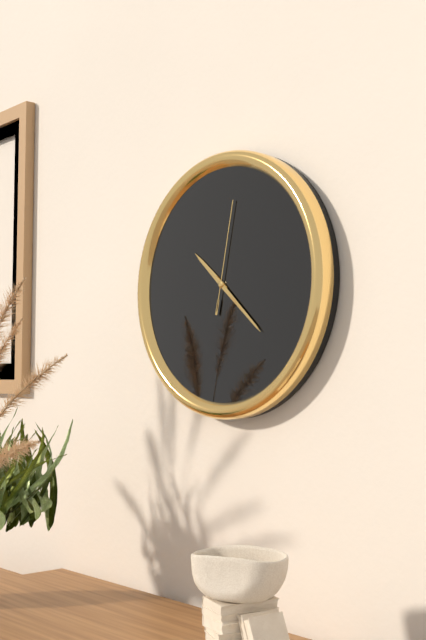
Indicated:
**10:22:02**
